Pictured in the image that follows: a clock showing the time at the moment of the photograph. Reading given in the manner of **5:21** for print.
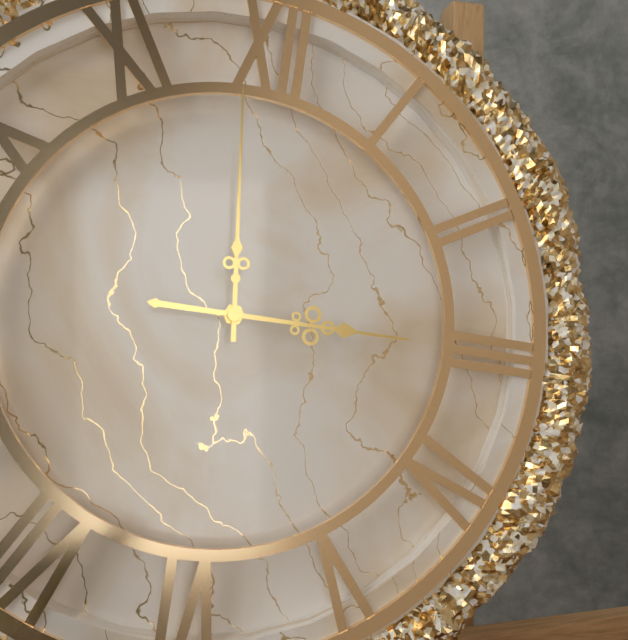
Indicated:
**2:59**
